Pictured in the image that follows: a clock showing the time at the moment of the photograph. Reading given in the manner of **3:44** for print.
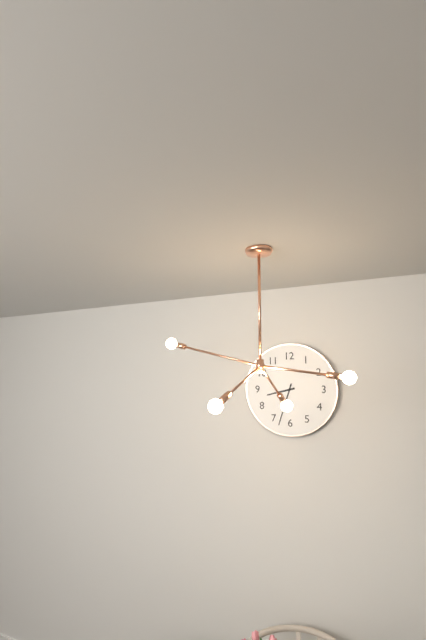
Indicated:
**8:33**
